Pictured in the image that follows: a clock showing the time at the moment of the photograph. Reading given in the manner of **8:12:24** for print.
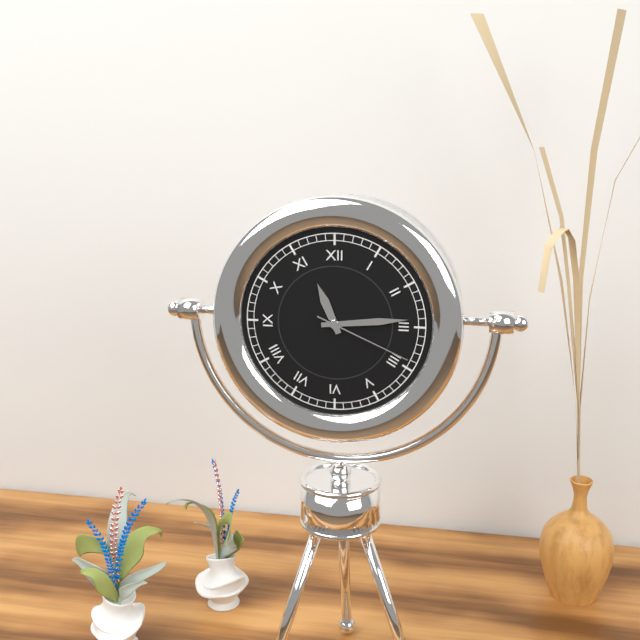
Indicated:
**11:14:19**
